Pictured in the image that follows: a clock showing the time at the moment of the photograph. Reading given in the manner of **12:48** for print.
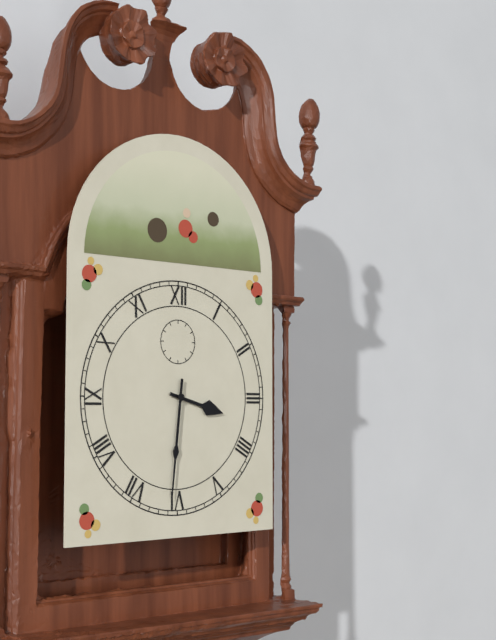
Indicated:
**3:31**
